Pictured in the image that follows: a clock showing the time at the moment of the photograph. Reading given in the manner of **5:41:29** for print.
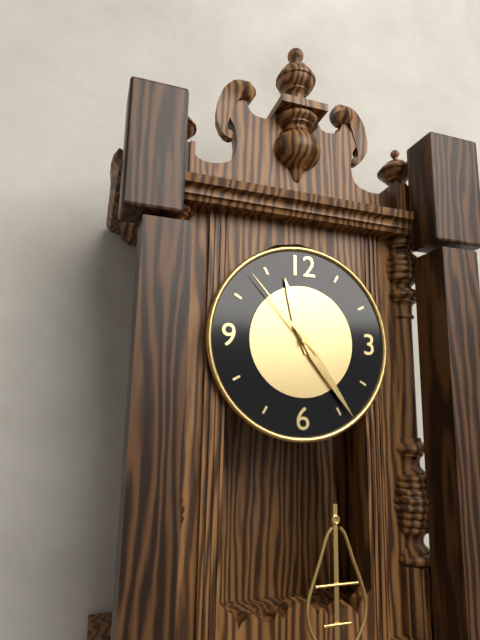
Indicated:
**11:24:53**
